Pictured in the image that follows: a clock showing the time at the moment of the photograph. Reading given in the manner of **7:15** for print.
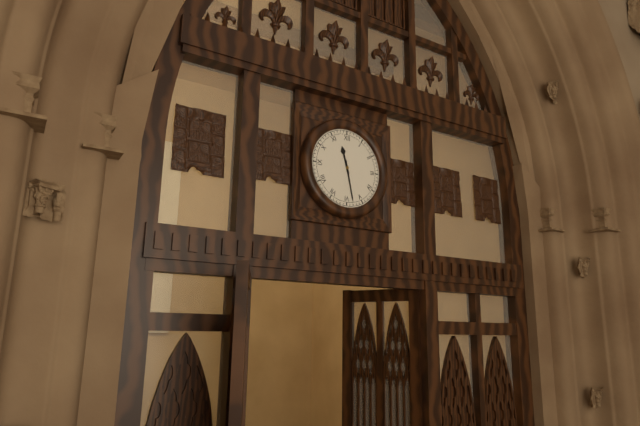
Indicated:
**11:28**
